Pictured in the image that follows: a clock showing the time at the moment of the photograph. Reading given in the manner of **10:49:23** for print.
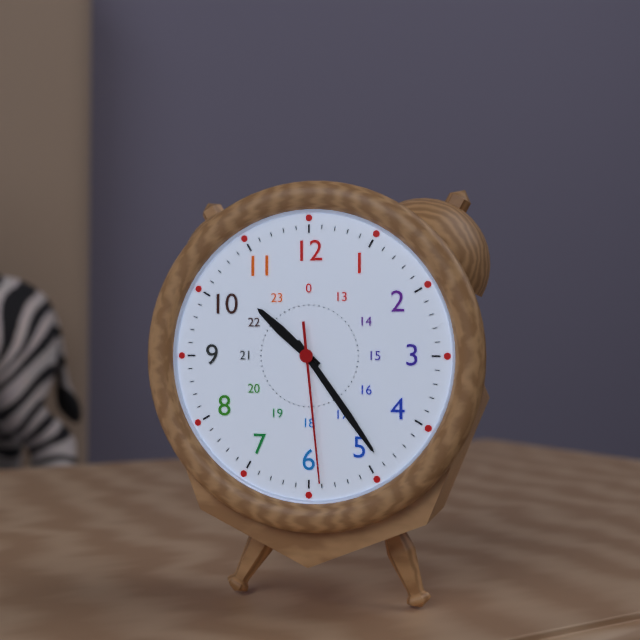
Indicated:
**10:24:29**
